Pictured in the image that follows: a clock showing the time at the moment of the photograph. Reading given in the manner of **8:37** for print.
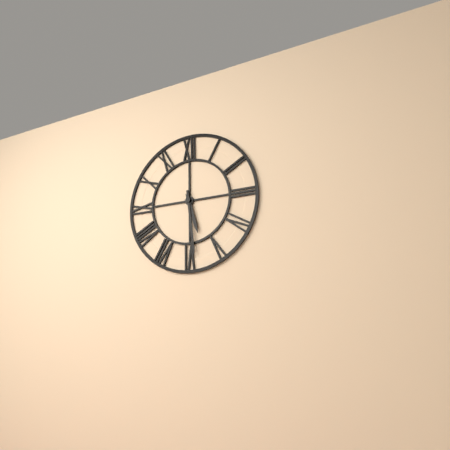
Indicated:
**5:29**
